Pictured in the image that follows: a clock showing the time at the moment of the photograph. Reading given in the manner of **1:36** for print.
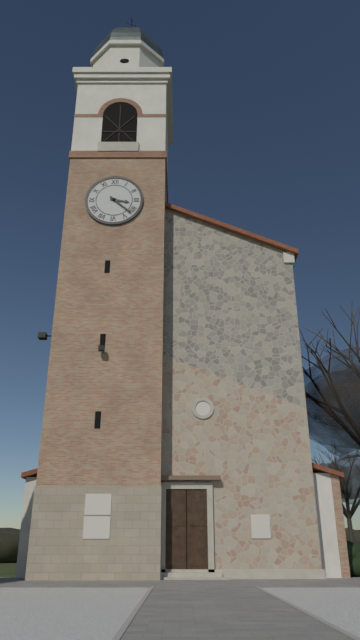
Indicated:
**3:22**
